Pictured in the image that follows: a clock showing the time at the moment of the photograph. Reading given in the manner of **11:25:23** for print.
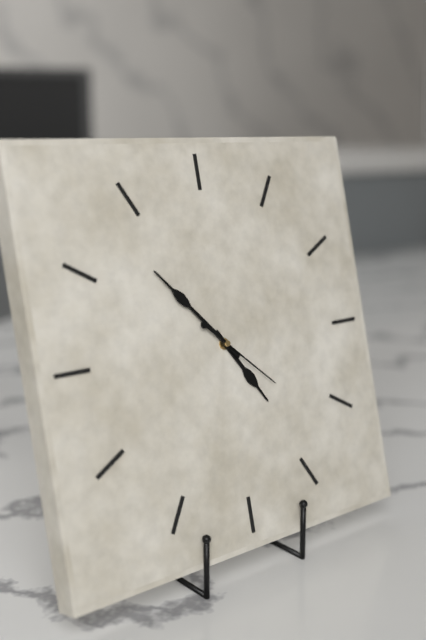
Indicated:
**4:53:22**
